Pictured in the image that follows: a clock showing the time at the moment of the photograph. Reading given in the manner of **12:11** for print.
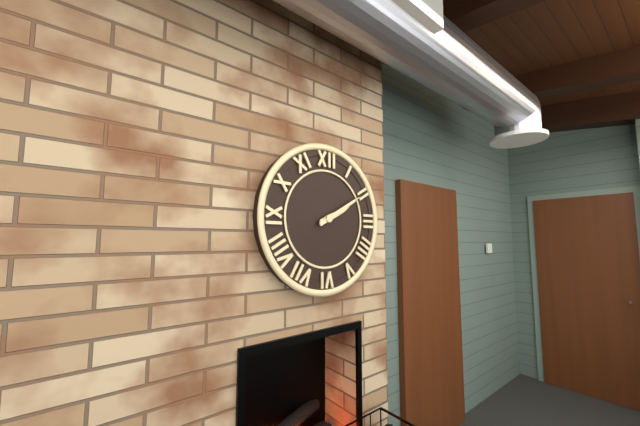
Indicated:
**2:10**
